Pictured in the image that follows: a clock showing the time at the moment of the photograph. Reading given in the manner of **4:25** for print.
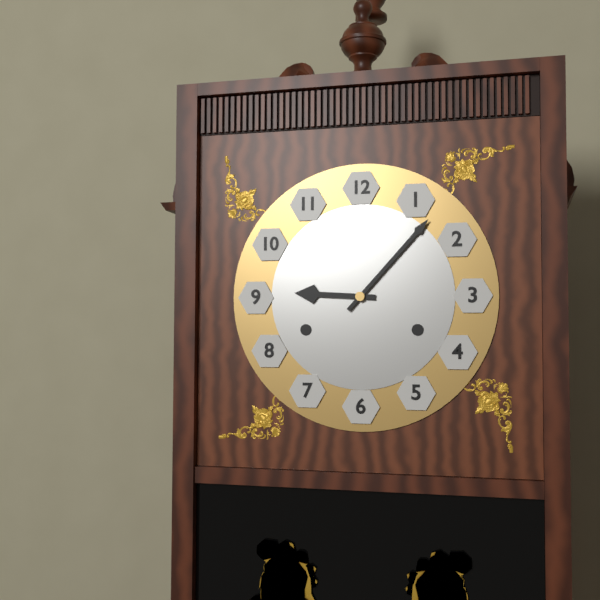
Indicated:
**9:07**
